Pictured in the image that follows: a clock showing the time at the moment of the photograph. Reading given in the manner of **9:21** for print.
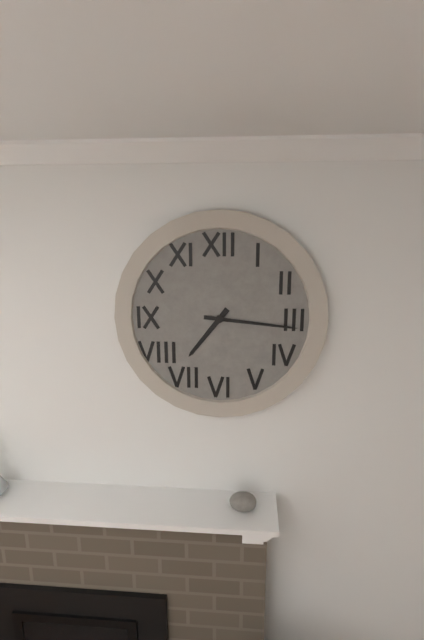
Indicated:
**7:16**
